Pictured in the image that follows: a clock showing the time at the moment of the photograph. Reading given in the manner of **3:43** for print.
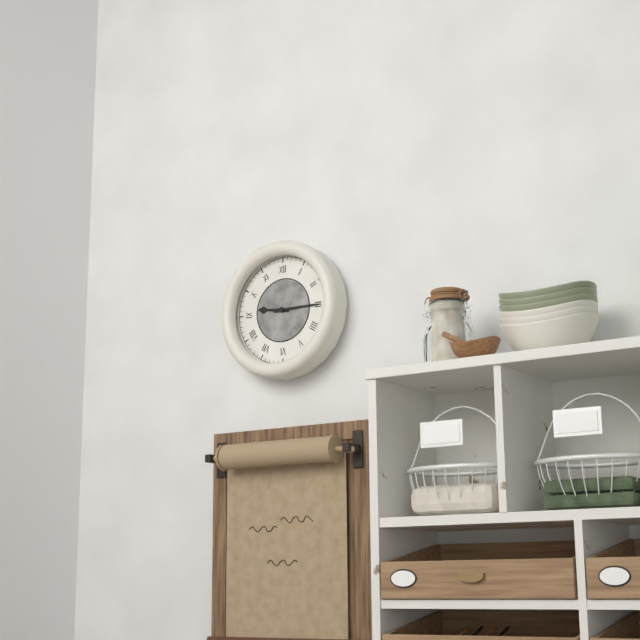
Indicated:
**9:15**
